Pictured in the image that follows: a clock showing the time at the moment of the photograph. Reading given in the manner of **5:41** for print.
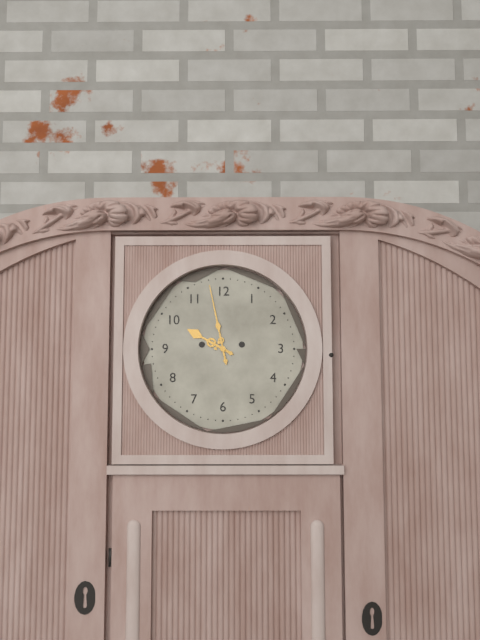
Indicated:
**9:58**
